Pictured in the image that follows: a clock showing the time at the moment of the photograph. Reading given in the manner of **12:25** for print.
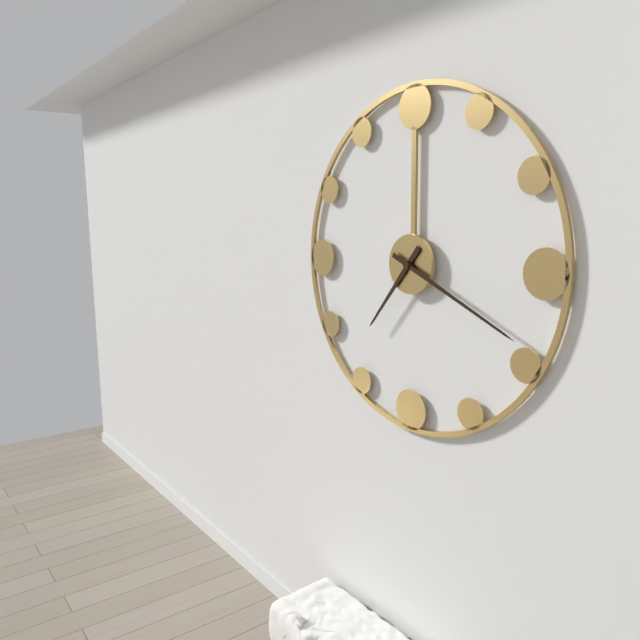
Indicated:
**7:19**
